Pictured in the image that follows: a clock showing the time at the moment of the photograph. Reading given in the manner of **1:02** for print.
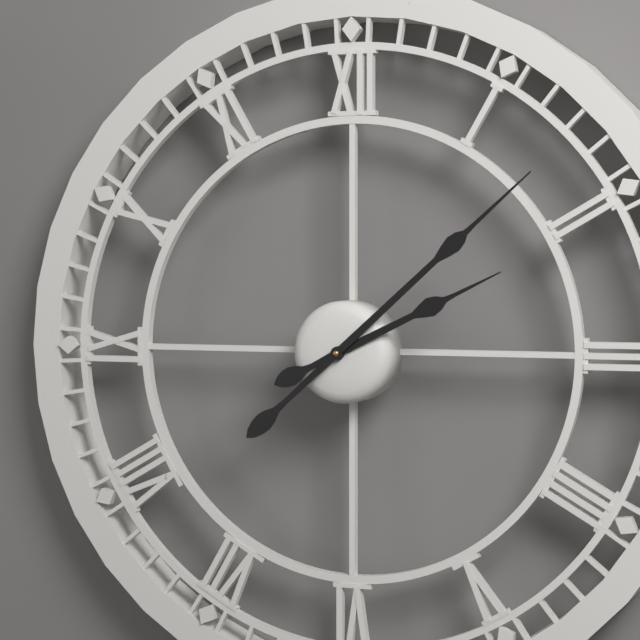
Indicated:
**2:08**
